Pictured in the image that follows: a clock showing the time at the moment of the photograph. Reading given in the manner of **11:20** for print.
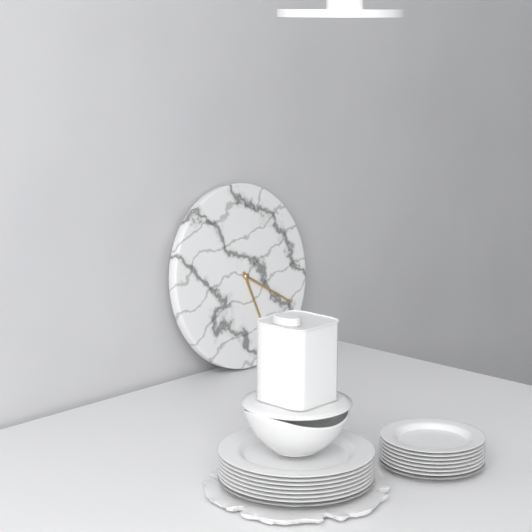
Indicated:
**5:20**
